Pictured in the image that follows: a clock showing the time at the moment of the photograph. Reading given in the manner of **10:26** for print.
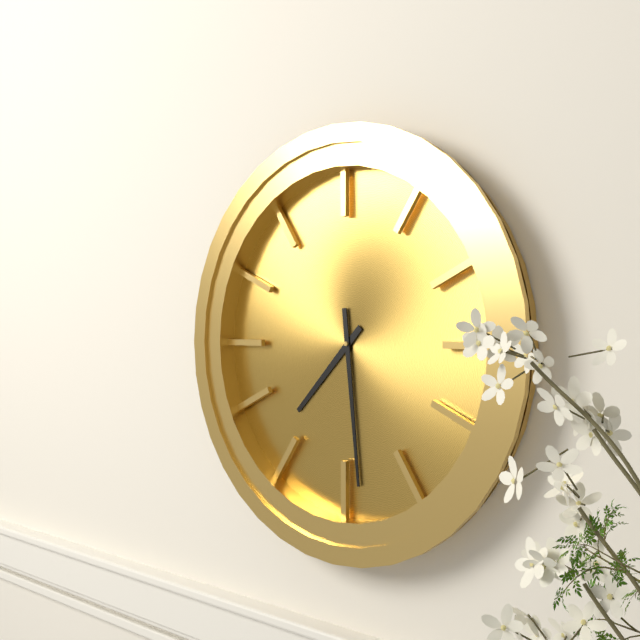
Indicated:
**7:29**
